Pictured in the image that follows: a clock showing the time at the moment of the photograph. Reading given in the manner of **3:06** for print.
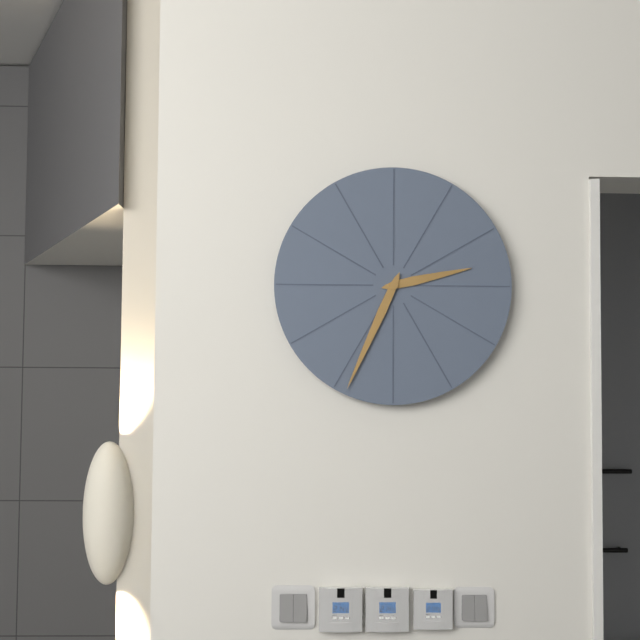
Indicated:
**2:34**
